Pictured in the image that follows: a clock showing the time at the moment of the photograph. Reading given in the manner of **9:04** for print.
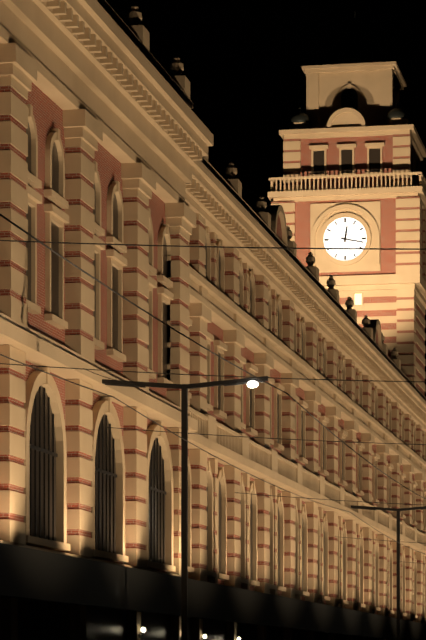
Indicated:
**12:17**
